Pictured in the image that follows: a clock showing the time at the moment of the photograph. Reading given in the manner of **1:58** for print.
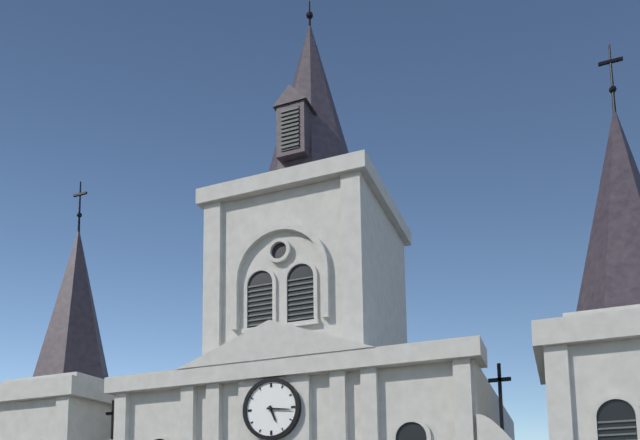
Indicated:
**5:16**
